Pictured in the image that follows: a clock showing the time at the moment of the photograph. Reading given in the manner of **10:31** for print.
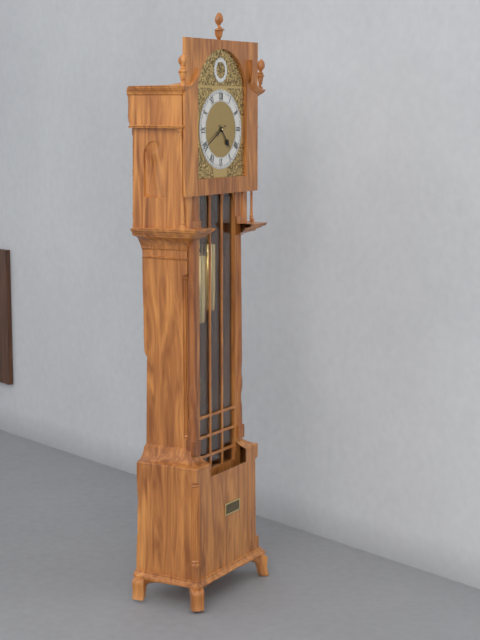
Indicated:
**4:40**
